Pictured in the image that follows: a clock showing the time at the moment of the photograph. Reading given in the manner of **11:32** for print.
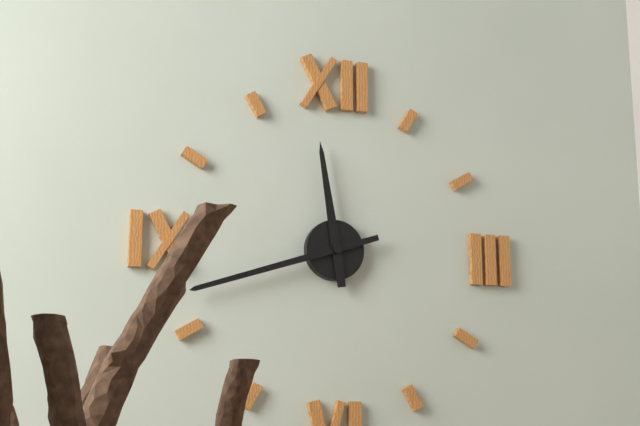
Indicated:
**11:42**
